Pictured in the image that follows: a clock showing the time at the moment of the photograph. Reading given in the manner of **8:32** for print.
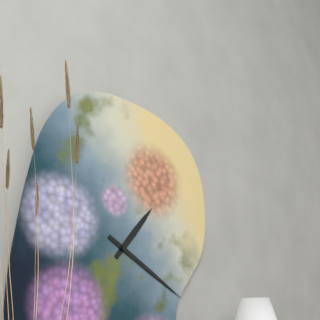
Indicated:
**1:20**
